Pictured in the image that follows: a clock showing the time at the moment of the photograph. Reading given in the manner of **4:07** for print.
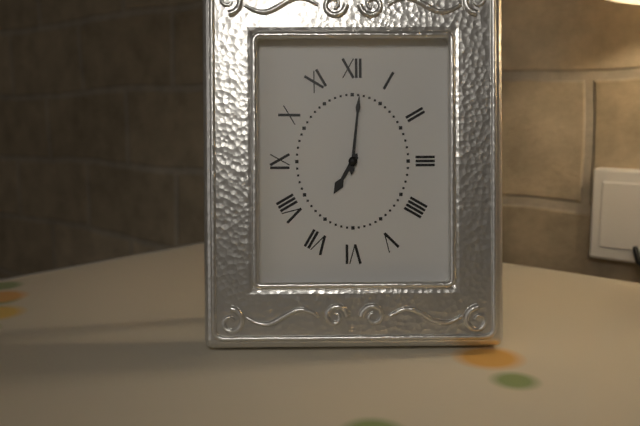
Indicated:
**7:01**
